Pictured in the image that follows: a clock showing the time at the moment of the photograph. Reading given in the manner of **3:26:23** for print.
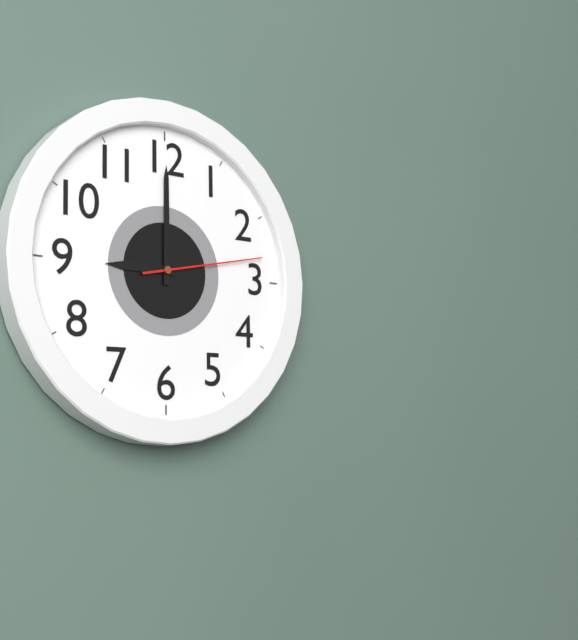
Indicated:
**9:00:13**
